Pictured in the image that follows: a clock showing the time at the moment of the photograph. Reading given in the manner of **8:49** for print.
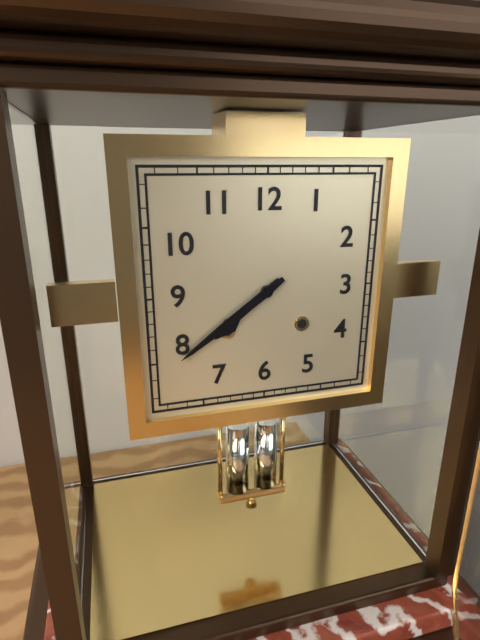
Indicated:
**7:39**
